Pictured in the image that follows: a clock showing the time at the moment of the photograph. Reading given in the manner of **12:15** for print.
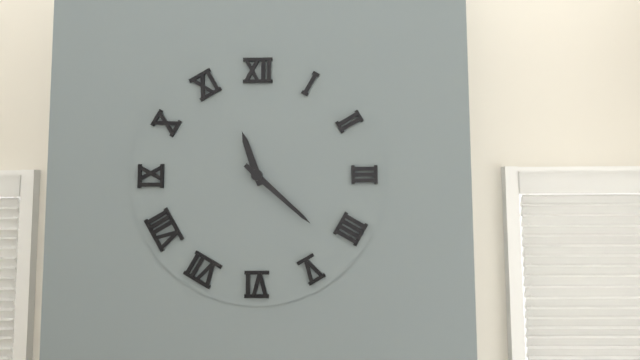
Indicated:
**11:22**
